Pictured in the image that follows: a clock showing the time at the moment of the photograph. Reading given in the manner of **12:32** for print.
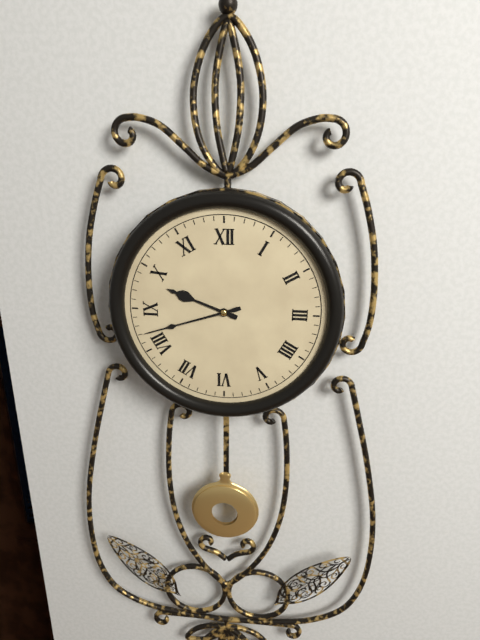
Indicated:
**9:42**
